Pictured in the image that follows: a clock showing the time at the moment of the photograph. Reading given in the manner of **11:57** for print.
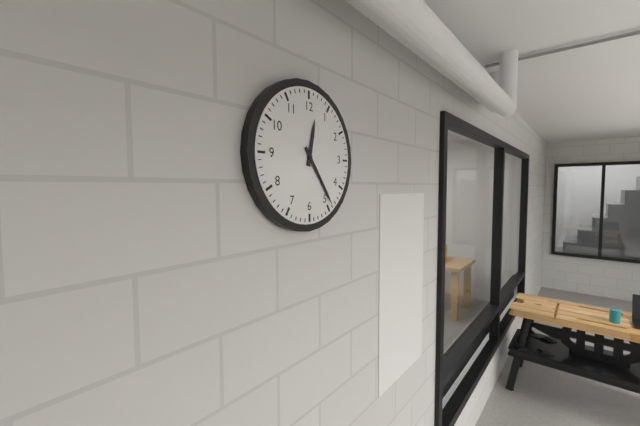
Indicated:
**12:24**
